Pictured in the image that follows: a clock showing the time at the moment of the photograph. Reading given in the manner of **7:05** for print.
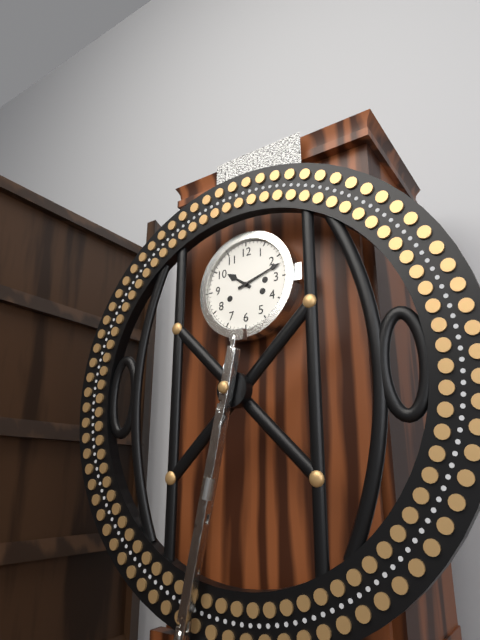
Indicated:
**10:12**
